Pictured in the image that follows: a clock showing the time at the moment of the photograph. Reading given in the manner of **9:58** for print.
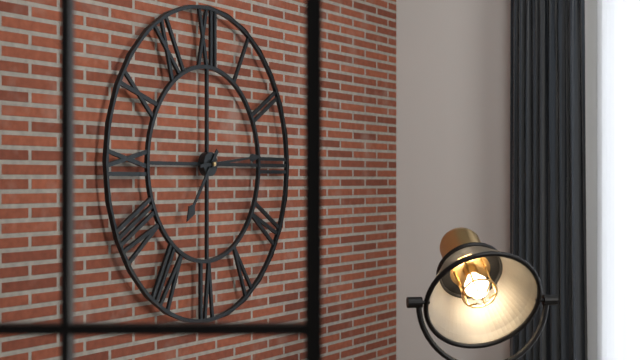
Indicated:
**7:14**
